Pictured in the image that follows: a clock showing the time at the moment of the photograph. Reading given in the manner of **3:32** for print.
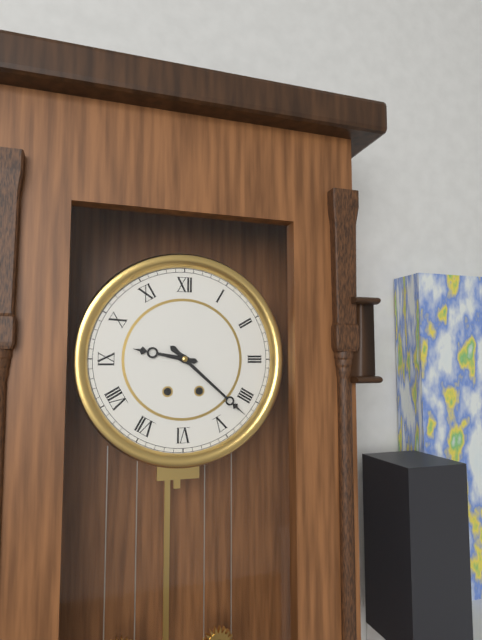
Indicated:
**9:22**
